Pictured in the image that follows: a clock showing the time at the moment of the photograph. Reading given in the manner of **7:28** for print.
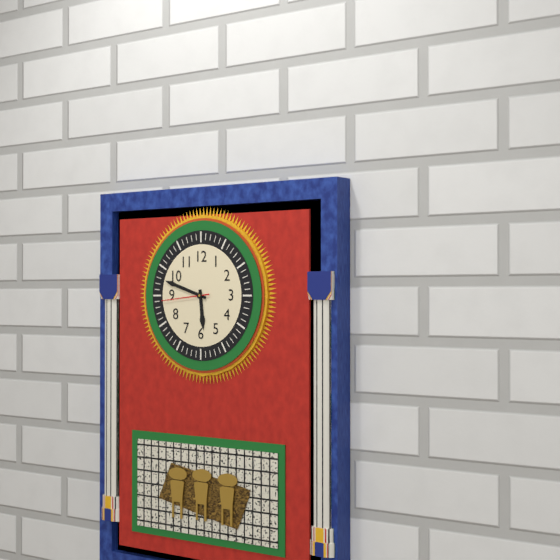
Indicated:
**5:48**
